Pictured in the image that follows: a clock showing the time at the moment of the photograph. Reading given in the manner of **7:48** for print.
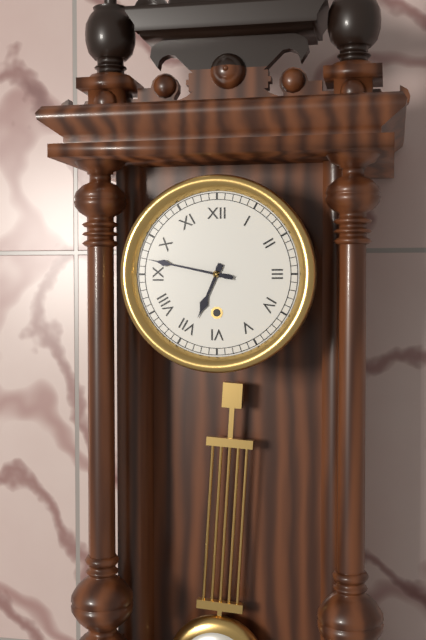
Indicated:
**6:47**
